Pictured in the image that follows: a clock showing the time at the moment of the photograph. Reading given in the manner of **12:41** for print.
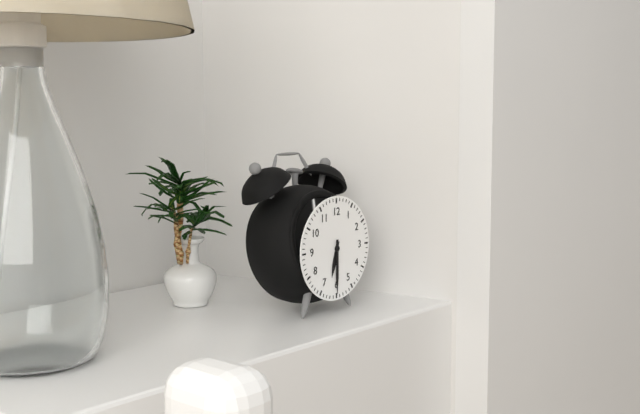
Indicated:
**6:30**
